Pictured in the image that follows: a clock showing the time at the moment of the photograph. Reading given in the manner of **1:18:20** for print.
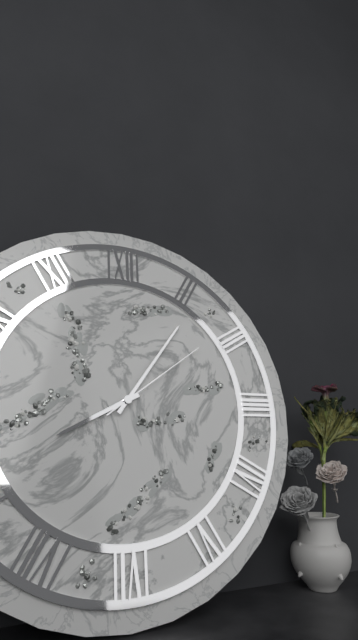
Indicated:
**8:06:09**
